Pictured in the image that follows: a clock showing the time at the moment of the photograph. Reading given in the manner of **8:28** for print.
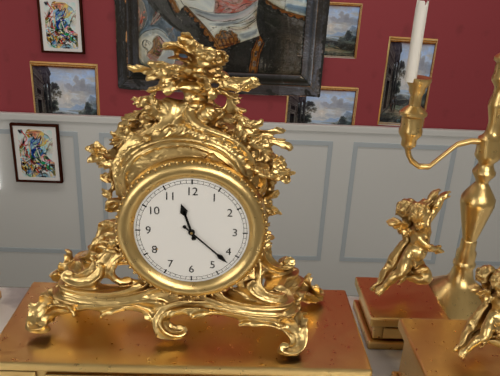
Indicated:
**11:22**
